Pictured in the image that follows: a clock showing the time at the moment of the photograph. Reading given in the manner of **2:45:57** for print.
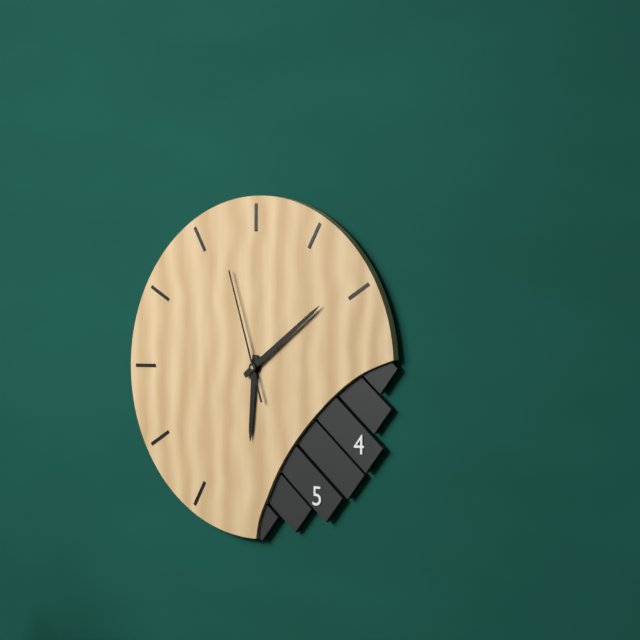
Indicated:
**6:09:57**
